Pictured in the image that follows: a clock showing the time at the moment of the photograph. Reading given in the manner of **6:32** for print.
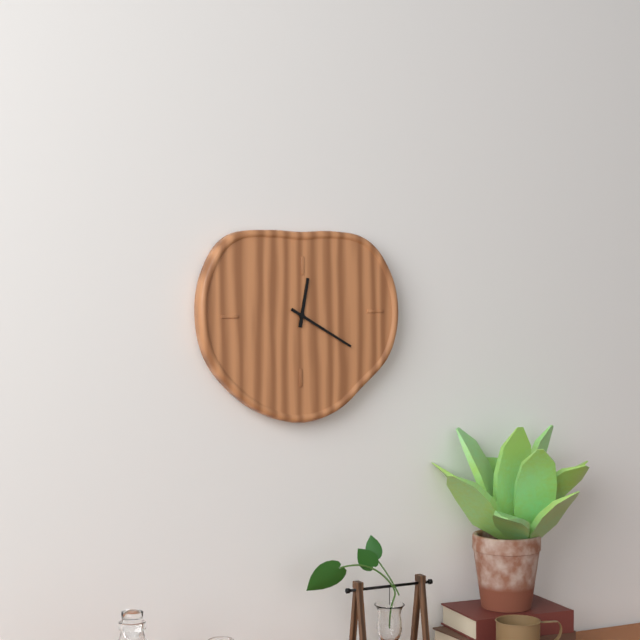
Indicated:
**12:20**
